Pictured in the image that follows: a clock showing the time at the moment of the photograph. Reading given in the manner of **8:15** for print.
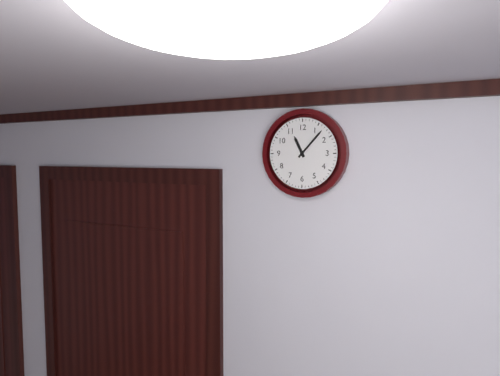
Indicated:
**11:07**
